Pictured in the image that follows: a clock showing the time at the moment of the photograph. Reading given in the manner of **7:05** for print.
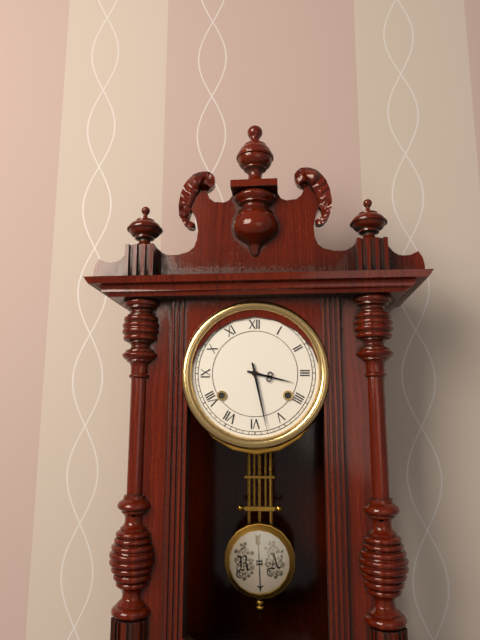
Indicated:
**3:28**
